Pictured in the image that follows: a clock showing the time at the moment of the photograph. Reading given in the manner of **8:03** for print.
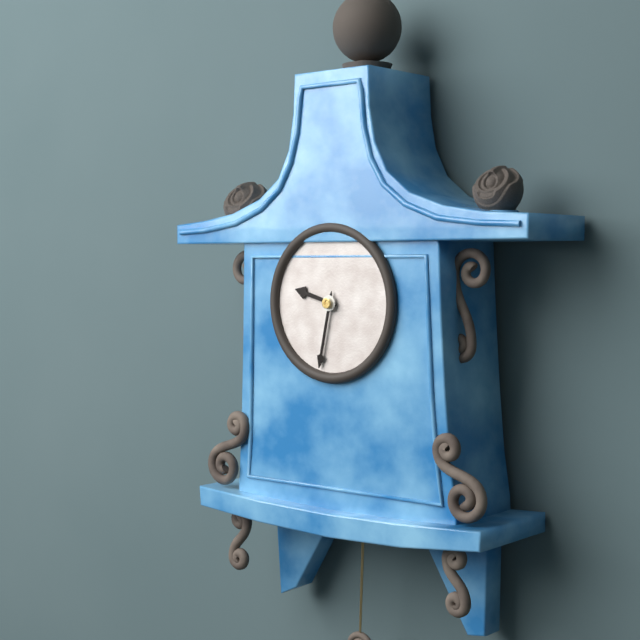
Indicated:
**9:32**
